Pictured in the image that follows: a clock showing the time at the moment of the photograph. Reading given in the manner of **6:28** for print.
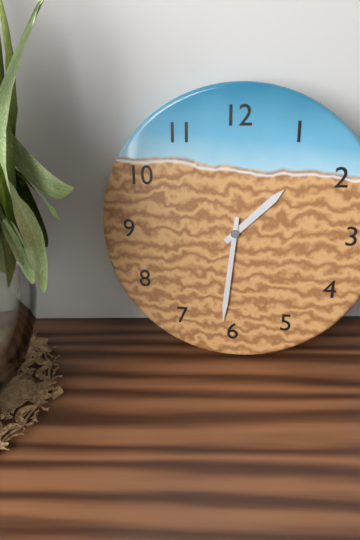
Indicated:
**1:31**
